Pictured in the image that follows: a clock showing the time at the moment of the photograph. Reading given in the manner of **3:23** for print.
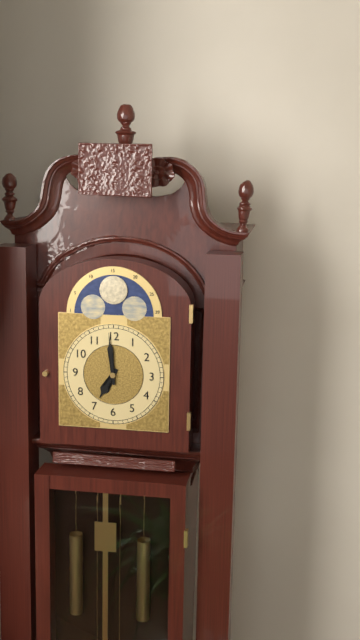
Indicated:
**6:59**
